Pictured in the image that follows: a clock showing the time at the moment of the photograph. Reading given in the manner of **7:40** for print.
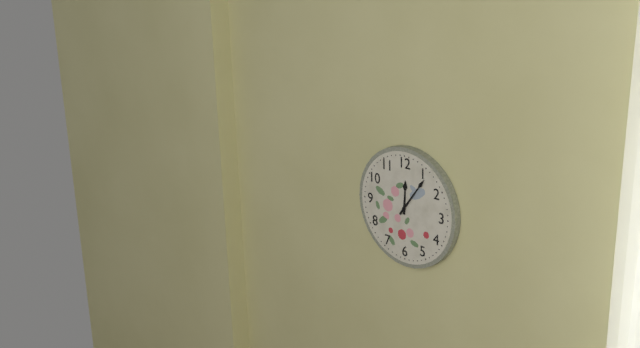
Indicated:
**12:06**
